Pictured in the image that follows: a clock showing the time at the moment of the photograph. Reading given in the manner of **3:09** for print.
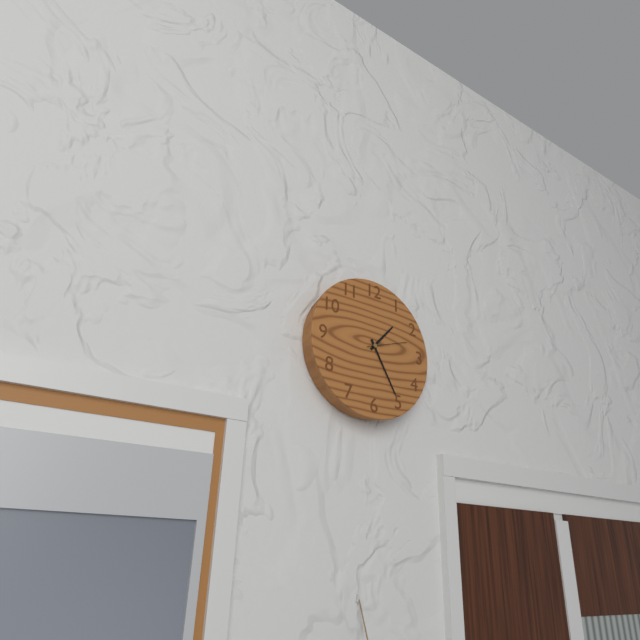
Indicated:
**1:25**
